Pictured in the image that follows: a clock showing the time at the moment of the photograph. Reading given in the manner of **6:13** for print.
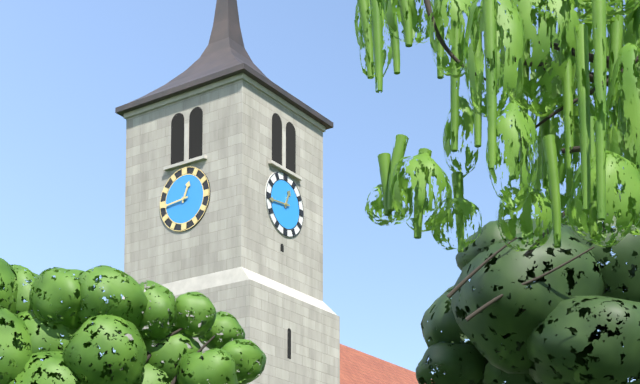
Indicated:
**12:44**
